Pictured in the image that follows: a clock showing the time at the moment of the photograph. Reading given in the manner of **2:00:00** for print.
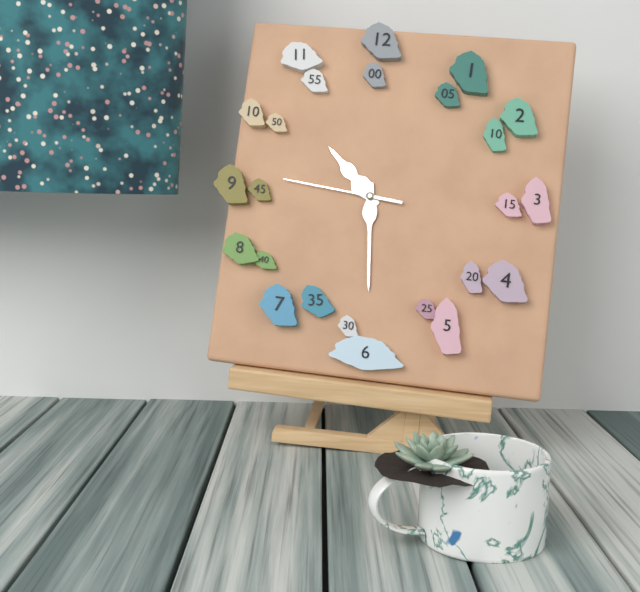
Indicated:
**10:29:46**
